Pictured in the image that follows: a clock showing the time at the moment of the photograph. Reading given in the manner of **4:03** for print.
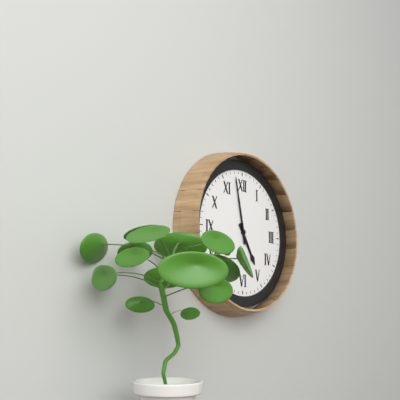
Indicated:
**4:58**
